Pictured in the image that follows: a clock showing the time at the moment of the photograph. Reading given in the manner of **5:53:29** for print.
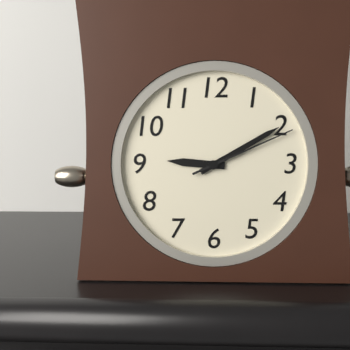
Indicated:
**9:10:11**
